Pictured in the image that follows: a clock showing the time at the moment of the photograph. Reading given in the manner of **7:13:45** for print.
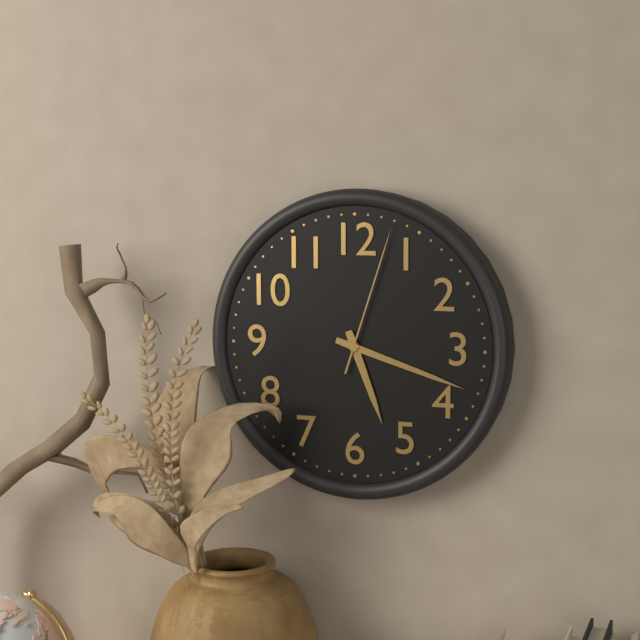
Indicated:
**5:18:03**
